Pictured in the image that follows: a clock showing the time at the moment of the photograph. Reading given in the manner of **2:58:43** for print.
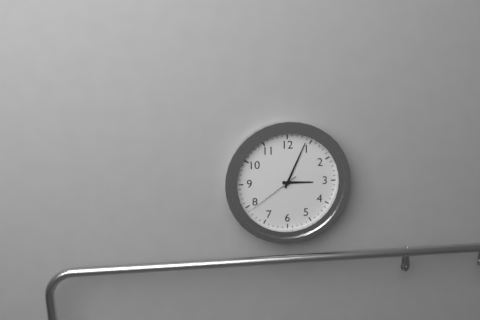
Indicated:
**3:04:39**
